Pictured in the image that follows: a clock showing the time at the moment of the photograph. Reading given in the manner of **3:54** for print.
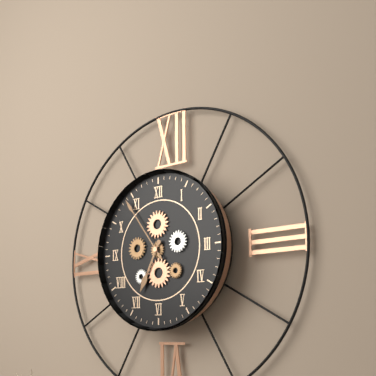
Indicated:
**6:54**
